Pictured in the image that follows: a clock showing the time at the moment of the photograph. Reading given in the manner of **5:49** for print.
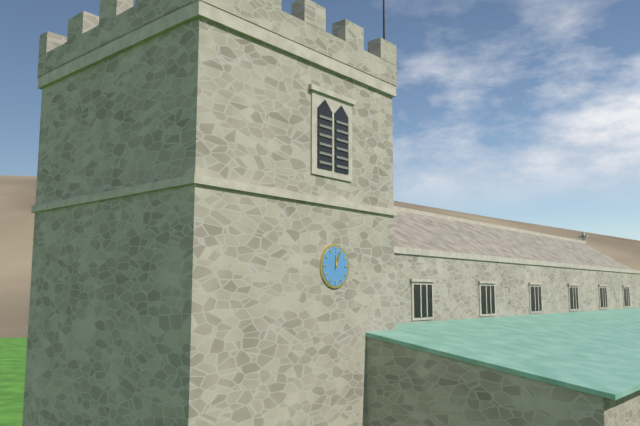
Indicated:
**12:04**
